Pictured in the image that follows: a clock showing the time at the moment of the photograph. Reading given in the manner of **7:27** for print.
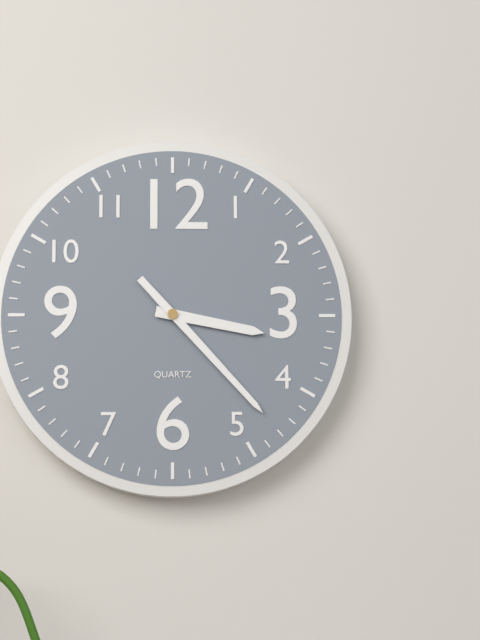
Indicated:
**3:23**
